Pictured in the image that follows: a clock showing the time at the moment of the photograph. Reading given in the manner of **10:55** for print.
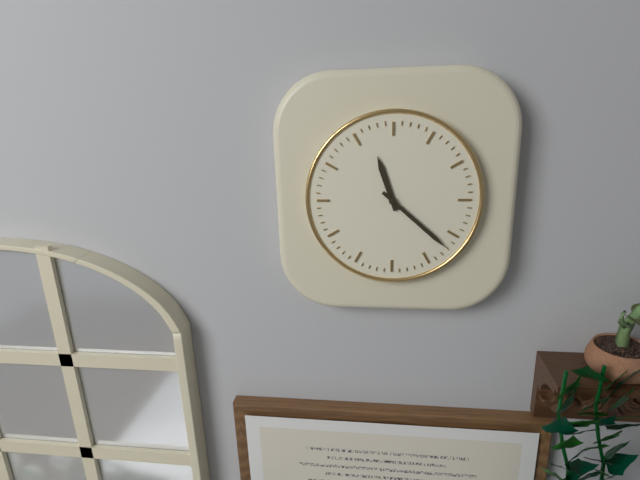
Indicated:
**11:22**
